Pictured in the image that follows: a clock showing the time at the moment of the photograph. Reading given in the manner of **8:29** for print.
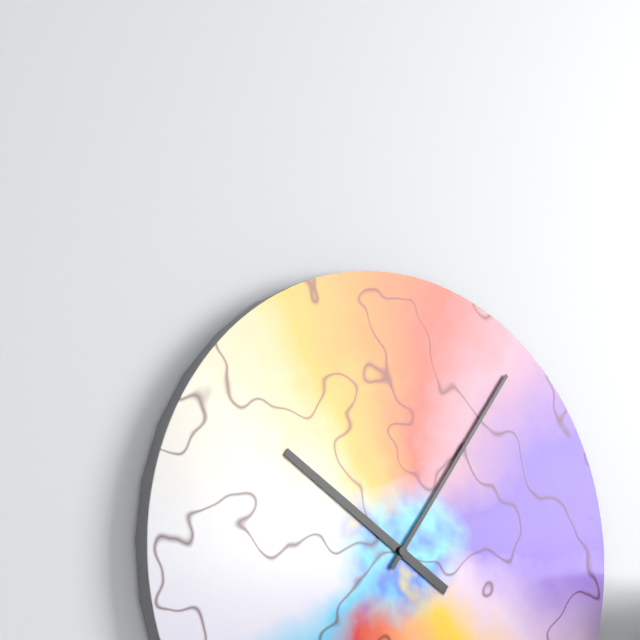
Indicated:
**10:06**
